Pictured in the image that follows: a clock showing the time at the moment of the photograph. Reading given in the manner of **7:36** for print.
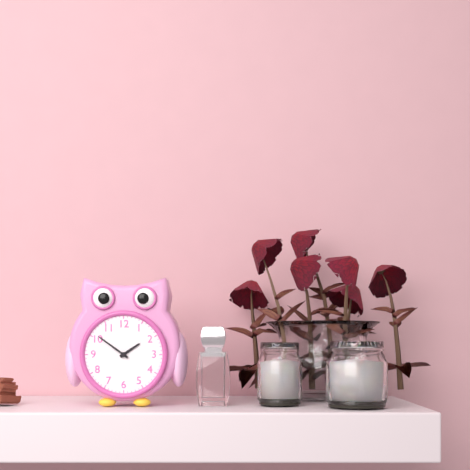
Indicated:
**1:51**
